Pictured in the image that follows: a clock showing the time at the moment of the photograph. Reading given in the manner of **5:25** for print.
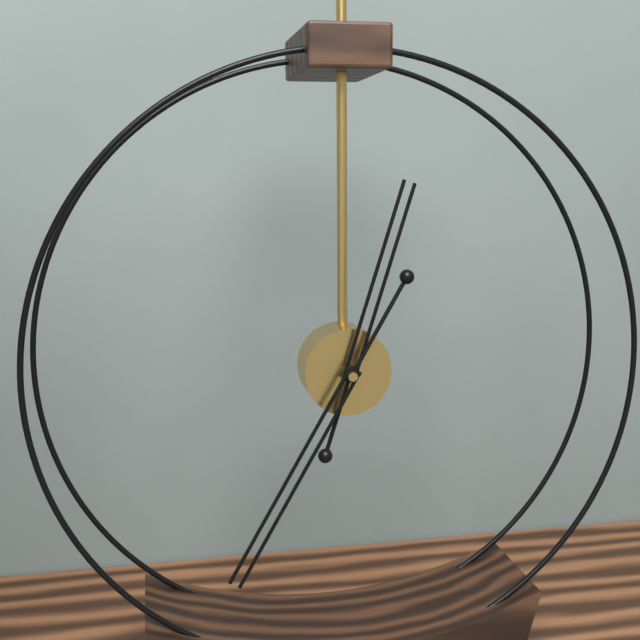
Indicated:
**12:35**
